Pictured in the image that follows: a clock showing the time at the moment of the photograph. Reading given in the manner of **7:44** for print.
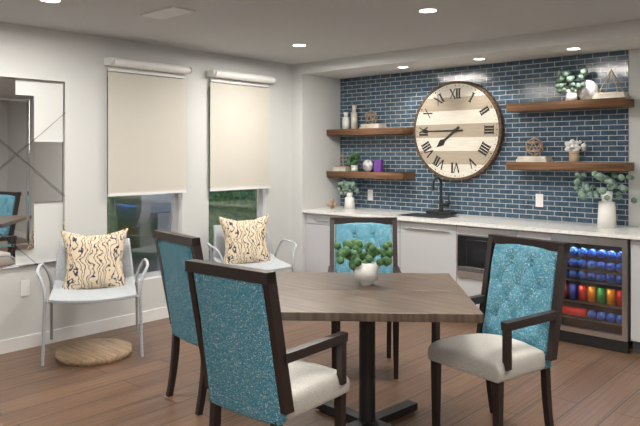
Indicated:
**7:45**
